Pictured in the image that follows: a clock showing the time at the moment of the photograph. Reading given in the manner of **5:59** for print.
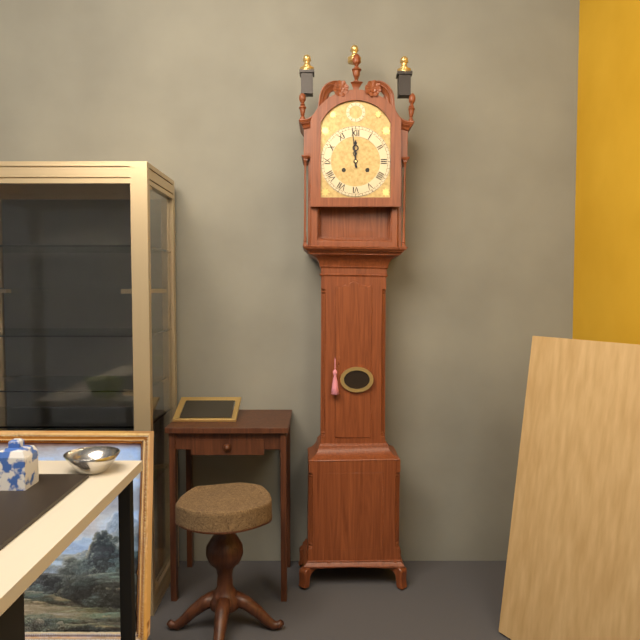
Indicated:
**11:59**
